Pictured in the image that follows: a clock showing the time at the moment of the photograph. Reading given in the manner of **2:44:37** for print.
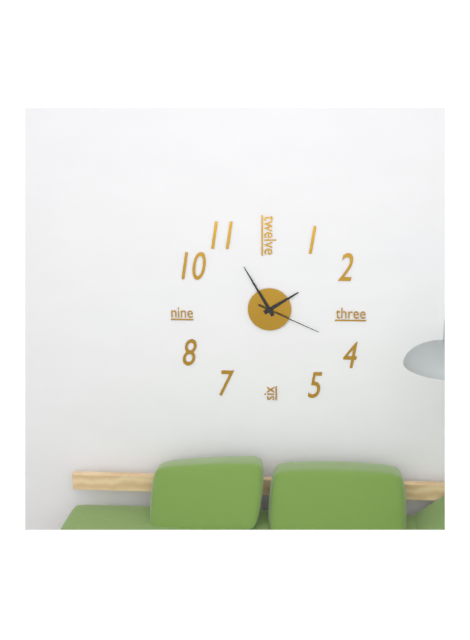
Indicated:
**1:55:19**
